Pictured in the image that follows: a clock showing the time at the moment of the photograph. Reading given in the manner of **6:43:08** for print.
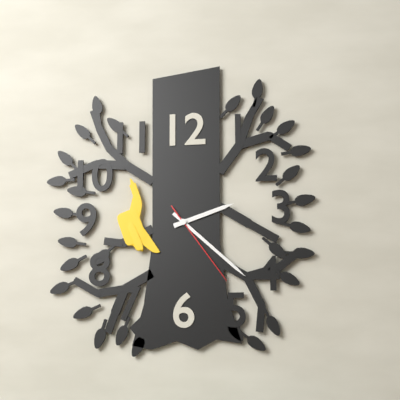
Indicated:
**2:22:24**
